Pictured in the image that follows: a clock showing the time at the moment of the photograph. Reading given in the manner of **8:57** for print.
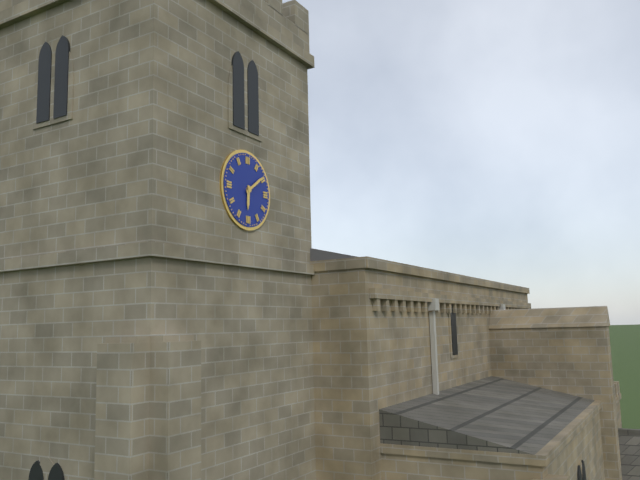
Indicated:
**6:09**
